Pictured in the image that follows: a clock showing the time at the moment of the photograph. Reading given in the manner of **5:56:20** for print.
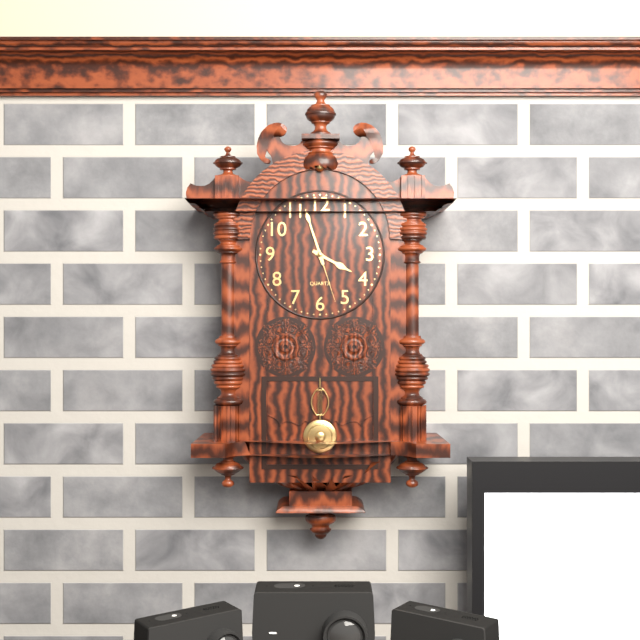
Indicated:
**3:57:27**
